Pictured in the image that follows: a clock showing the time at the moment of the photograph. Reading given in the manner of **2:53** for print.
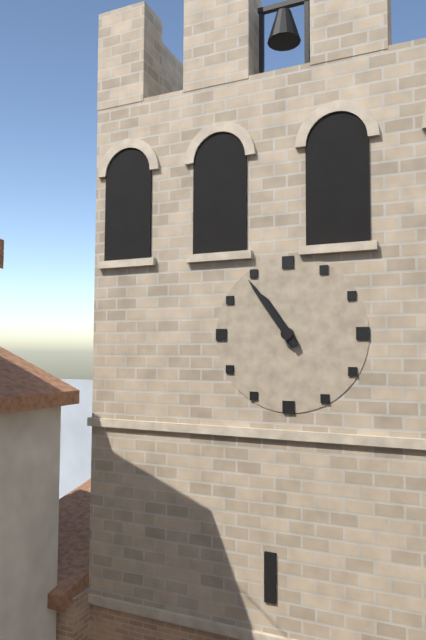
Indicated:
**10:54**
